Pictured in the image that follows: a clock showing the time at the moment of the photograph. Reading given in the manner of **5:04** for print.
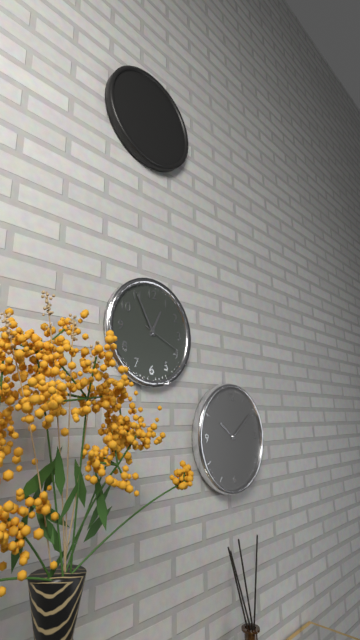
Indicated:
**12:55**
